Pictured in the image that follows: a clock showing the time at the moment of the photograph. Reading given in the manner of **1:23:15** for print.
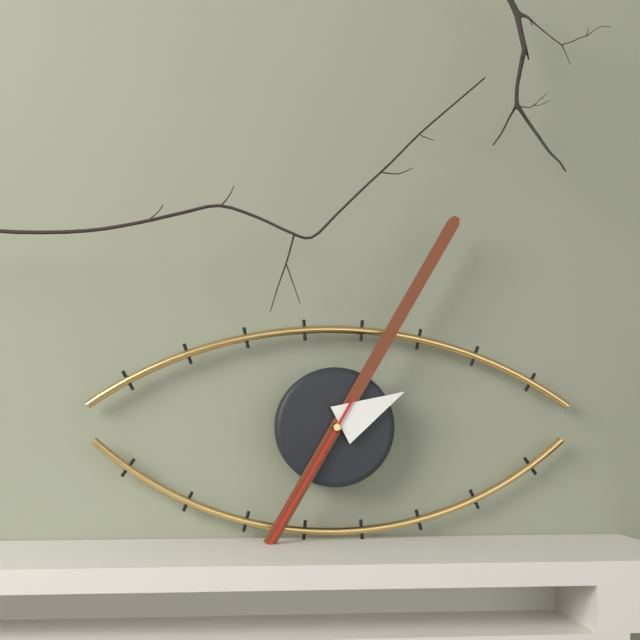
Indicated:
**2:05:35**
